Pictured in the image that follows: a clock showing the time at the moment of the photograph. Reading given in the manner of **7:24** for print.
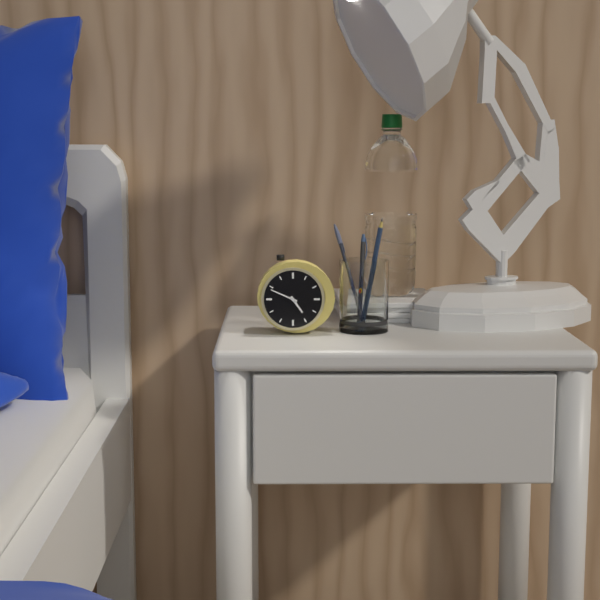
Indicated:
**4:49**
